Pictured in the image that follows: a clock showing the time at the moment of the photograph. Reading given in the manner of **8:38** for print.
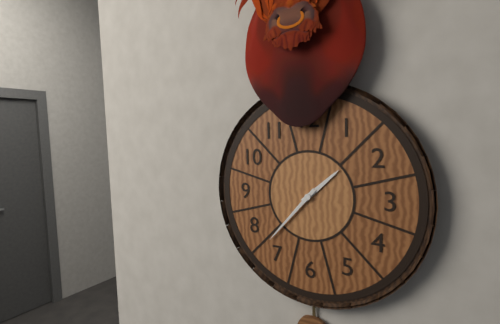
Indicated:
**1:37**
